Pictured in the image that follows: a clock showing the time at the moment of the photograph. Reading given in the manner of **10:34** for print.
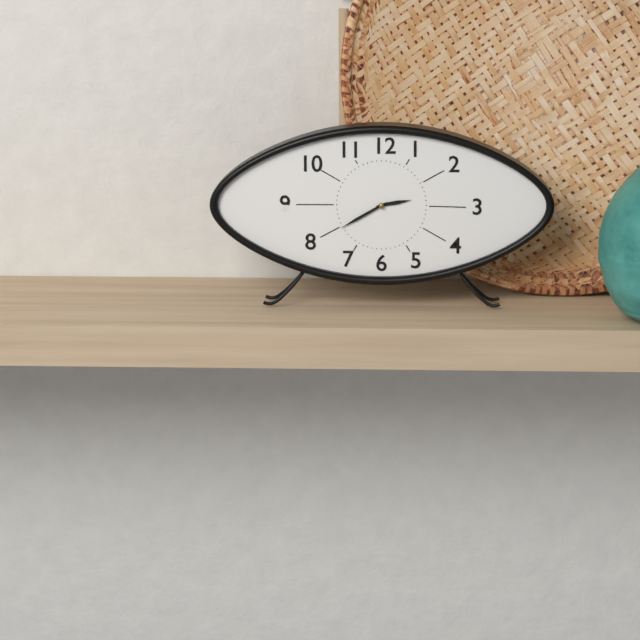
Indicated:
**2:40**
